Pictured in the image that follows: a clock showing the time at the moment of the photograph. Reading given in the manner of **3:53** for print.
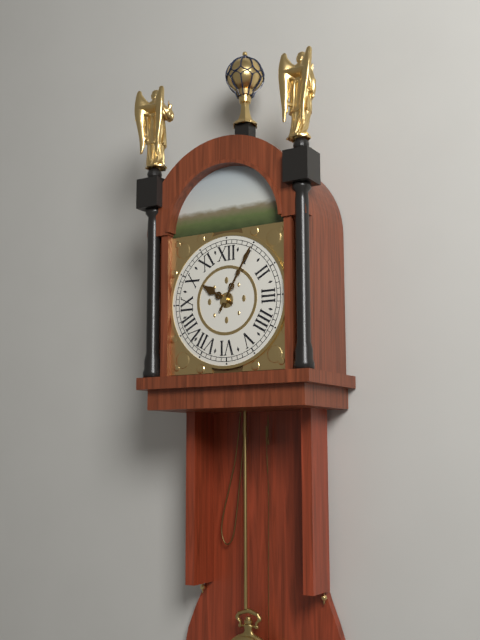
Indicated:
**10:05**
